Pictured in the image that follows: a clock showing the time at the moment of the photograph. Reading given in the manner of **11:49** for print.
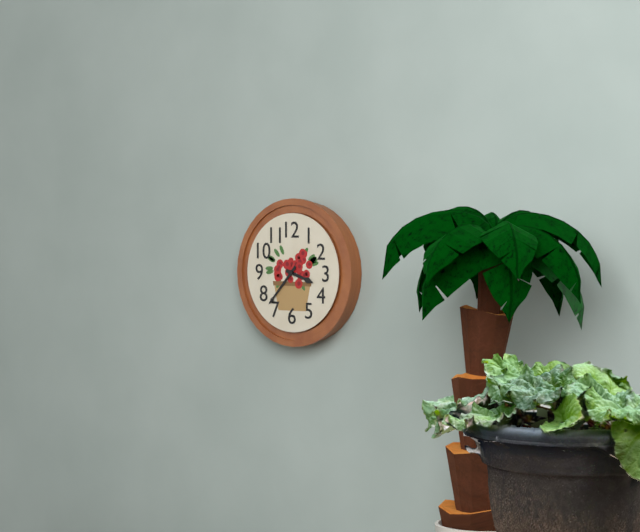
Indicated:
**3:37**
